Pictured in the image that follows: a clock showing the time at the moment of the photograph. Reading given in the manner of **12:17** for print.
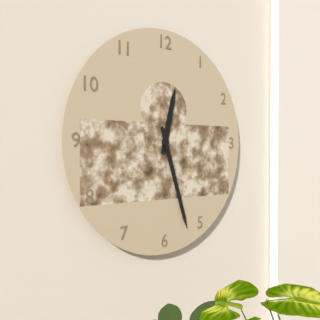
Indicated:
**12:27**
